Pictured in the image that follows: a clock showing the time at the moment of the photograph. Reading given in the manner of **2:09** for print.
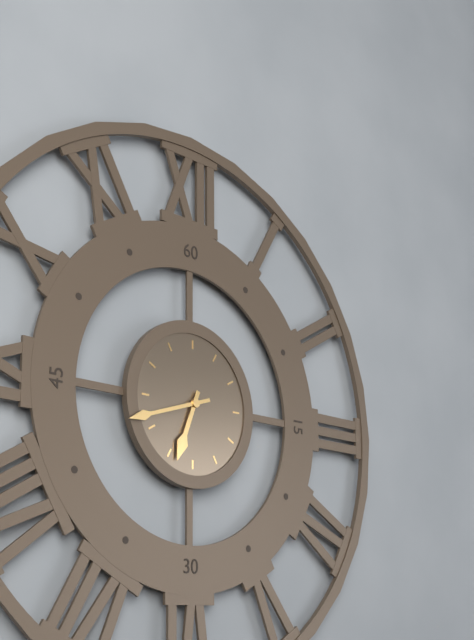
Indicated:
**6:42**
